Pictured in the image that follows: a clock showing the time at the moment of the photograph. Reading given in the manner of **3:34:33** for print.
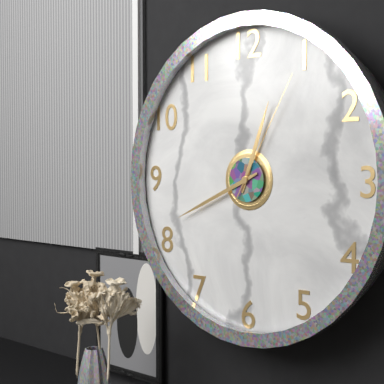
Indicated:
**12:41:05**
